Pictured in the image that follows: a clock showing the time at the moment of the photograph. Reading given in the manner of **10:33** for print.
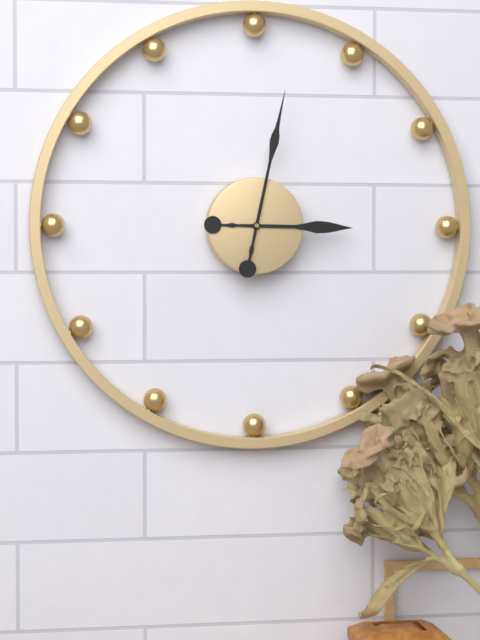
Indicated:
**3:02**
